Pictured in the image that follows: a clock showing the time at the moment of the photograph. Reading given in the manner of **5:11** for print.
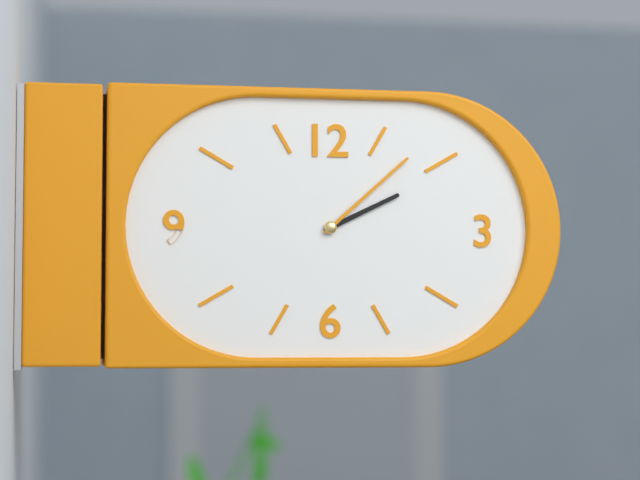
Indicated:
**2:08**
